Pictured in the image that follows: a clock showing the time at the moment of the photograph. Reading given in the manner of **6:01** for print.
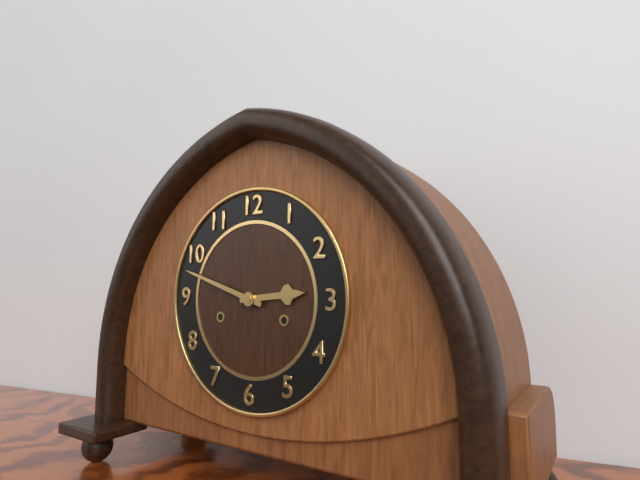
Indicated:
**2:48**
